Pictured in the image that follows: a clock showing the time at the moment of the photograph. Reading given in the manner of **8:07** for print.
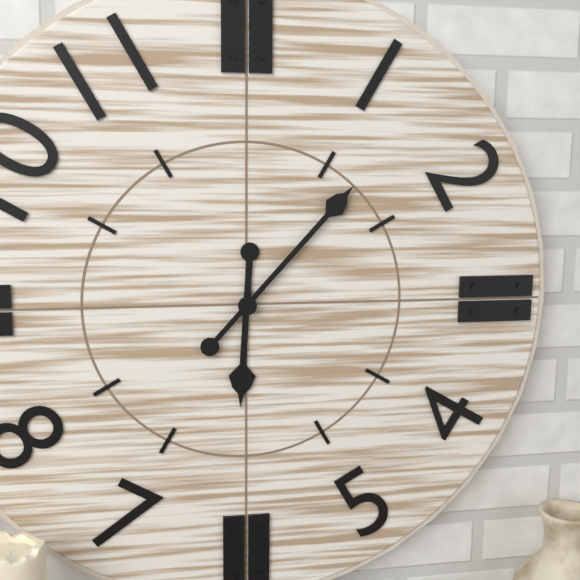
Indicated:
**6:07**
